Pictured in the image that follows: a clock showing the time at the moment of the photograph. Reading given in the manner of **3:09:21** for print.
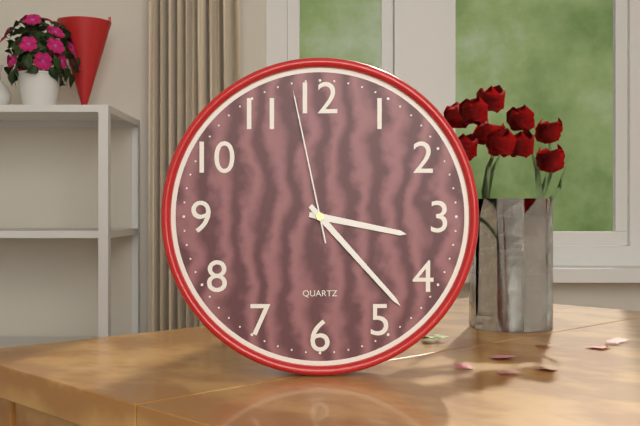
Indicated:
**3:23:58**
